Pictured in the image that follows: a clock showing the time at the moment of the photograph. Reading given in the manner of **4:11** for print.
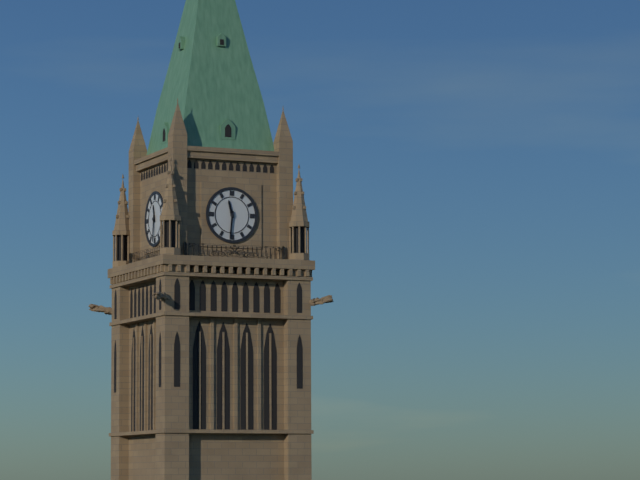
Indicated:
**11:31**
